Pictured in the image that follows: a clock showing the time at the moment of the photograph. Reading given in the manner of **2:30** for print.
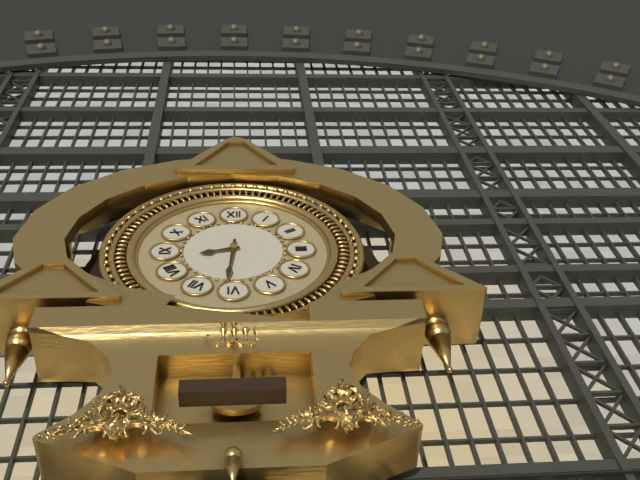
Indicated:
**8:31**
